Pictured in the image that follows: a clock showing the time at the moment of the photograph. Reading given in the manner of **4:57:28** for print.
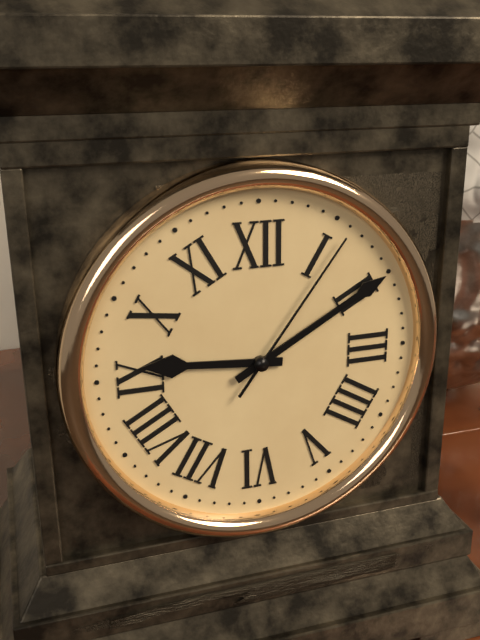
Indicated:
**9:10:06**
